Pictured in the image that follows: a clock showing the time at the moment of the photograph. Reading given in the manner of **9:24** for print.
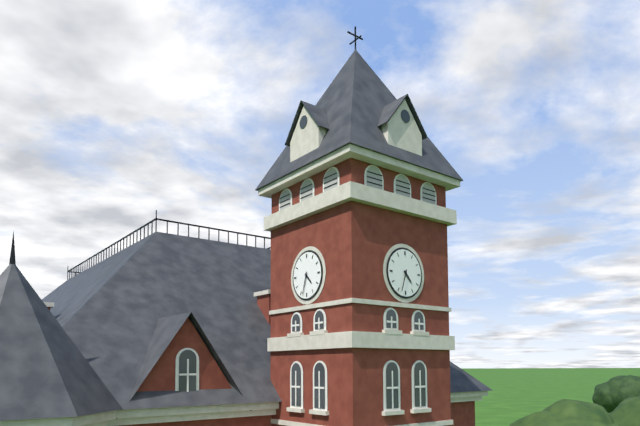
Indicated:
**4:33**
